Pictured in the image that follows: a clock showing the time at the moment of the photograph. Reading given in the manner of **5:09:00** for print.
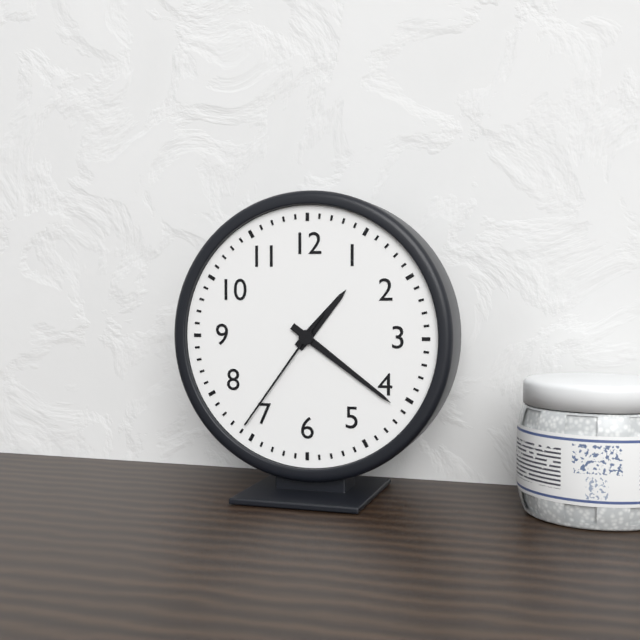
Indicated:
**1:21:36**
